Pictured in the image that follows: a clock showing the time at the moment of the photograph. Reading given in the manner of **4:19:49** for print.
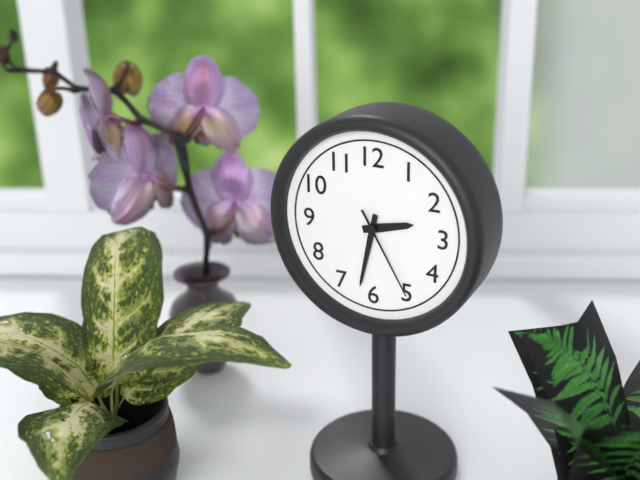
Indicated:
**2:32:25**
